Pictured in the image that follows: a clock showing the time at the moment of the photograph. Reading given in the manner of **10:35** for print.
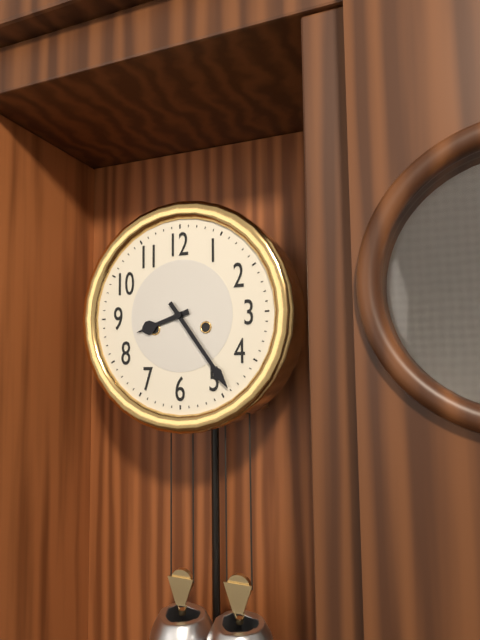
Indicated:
**8:24**
